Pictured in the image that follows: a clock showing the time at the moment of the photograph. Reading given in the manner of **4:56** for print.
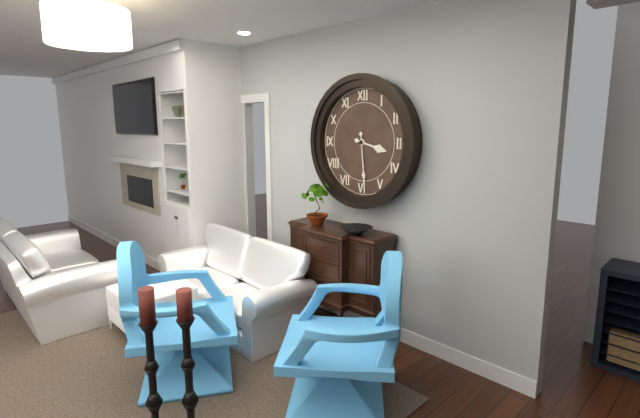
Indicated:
**3:29**
